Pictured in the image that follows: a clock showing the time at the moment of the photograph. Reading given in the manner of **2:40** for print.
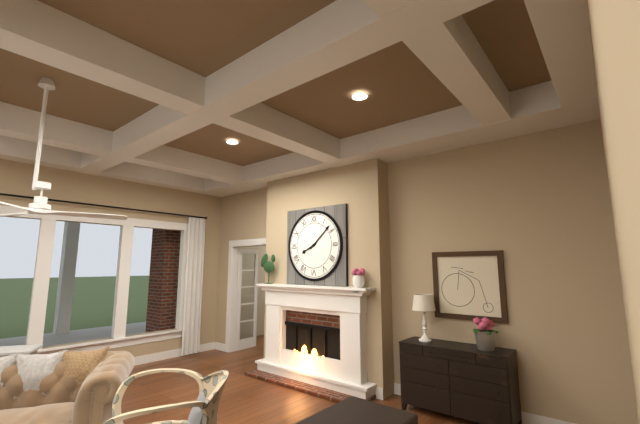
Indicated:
**8:08**
